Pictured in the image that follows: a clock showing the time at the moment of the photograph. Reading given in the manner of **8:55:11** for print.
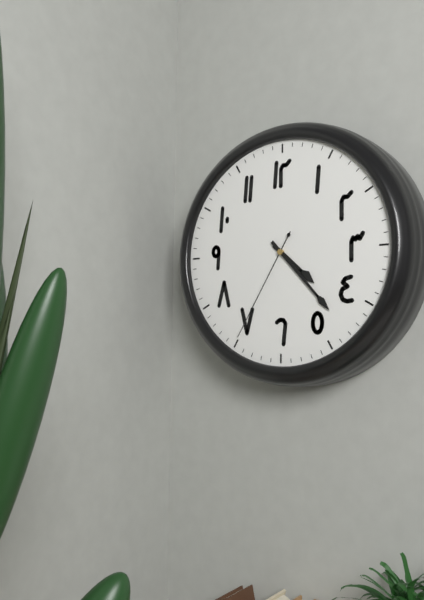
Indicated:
**4:23:35**
